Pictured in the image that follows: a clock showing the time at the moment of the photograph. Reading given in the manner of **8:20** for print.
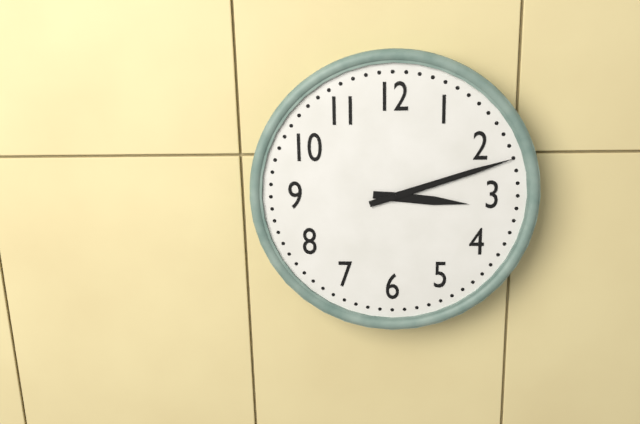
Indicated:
**3:12**
